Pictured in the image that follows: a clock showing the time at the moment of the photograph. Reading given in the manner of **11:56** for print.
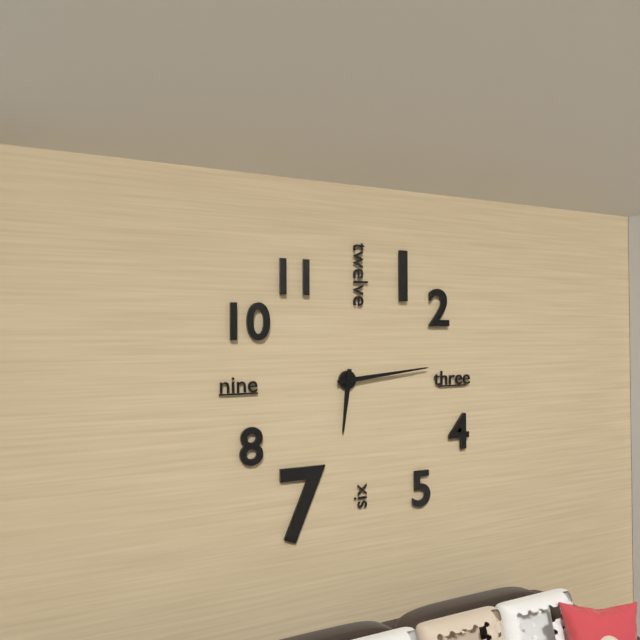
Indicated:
**6:14**
